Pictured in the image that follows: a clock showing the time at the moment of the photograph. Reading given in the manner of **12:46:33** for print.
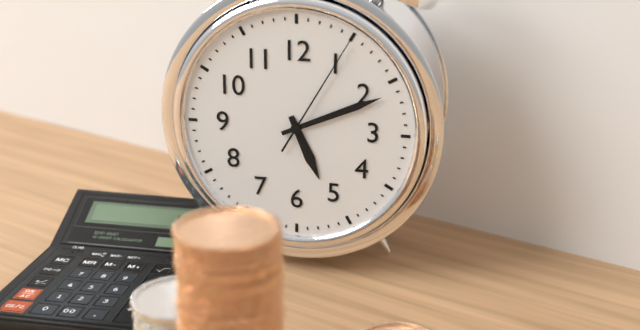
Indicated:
**5:11:05**
